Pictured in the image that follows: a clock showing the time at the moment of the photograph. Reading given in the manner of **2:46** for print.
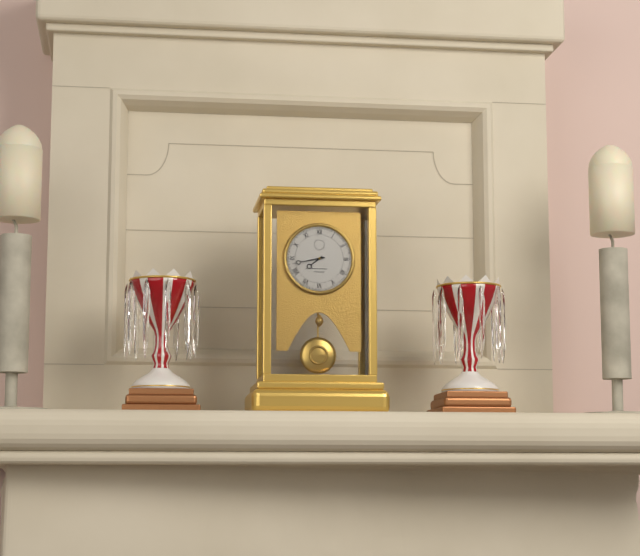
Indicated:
**7:43**
